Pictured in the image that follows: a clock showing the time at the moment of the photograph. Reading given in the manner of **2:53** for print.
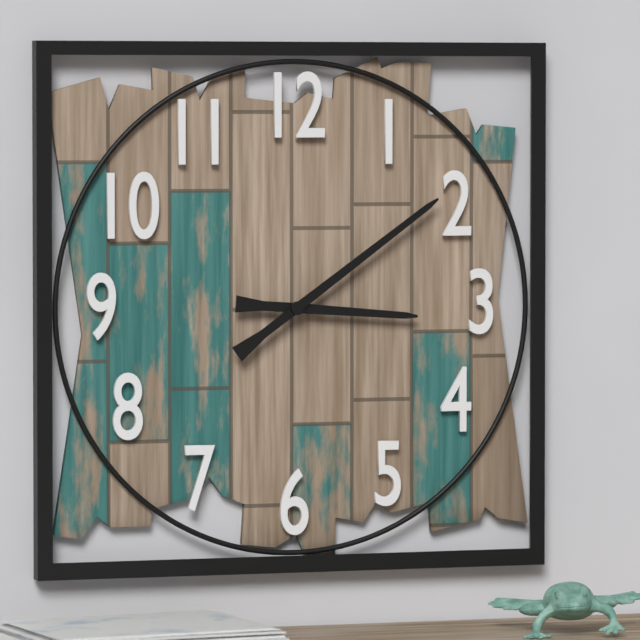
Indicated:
**3:09**
